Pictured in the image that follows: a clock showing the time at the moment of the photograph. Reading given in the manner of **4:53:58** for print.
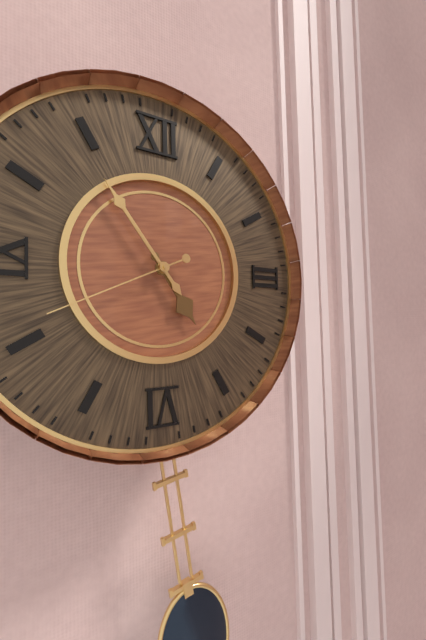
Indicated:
**4:54:41**
